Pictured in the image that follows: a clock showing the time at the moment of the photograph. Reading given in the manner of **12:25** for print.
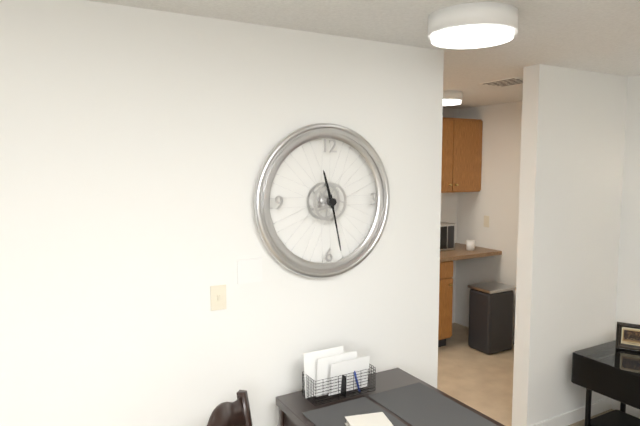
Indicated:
**11:28**
